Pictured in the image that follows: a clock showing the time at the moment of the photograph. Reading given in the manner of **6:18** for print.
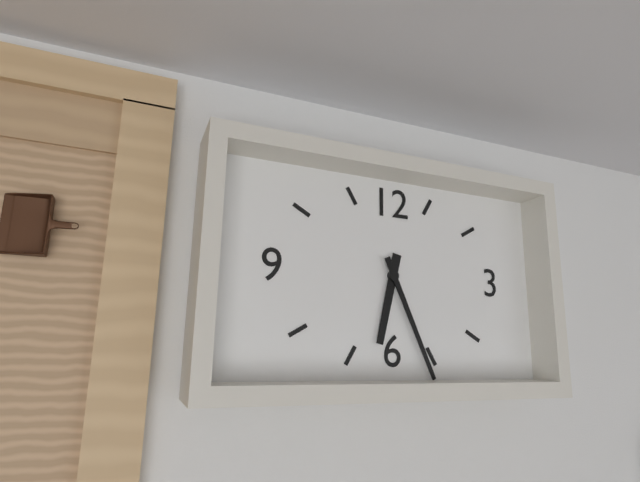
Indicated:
**6:26**
